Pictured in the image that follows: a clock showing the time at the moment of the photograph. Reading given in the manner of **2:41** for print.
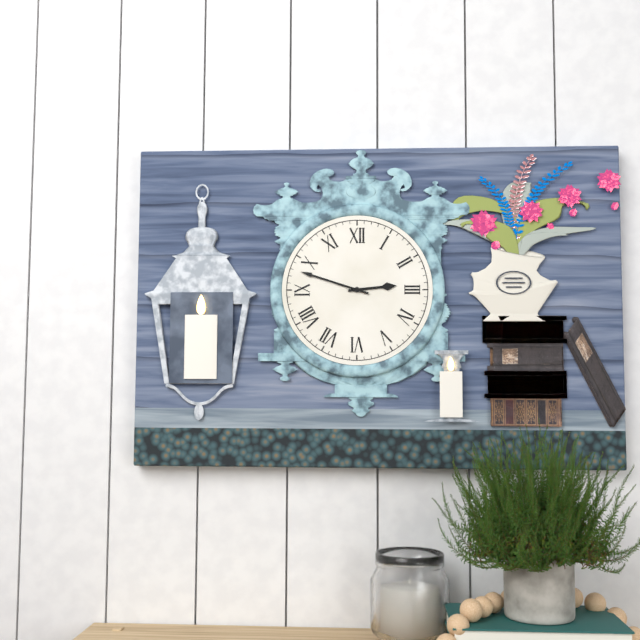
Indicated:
**2:48**
